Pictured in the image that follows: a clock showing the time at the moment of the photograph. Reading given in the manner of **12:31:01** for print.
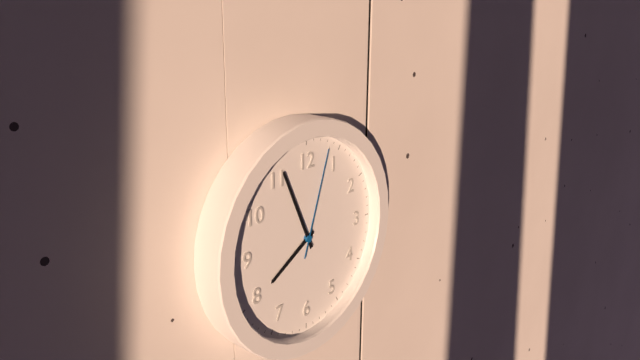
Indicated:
**7:56:03**
